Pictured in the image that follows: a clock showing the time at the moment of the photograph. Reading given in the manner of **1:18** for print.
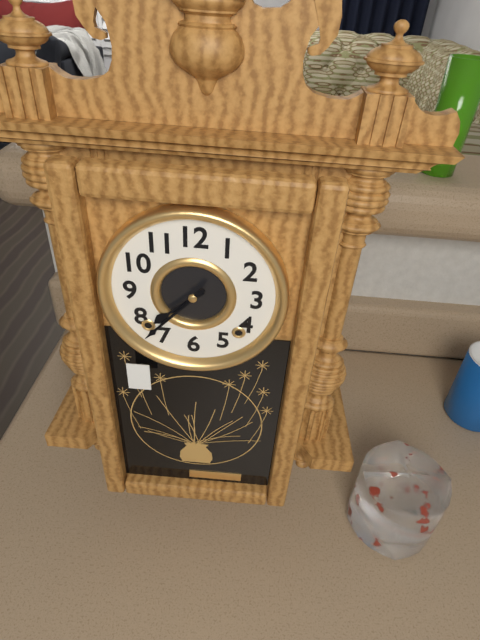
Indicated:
**7:37**
